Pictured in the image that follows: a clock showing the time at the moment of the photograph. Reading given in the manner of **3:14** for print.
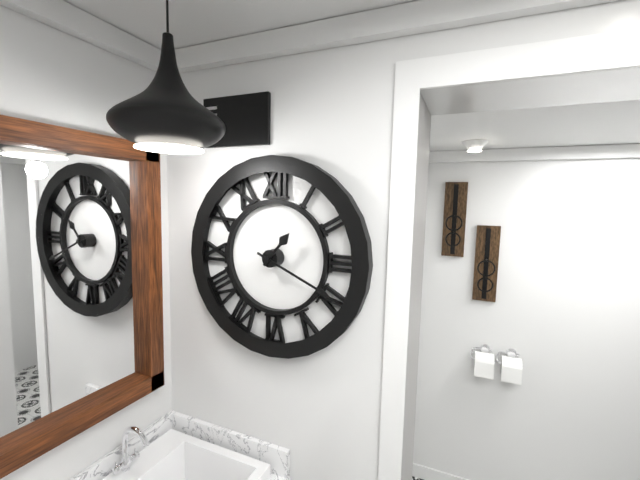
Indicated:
**1:19**
